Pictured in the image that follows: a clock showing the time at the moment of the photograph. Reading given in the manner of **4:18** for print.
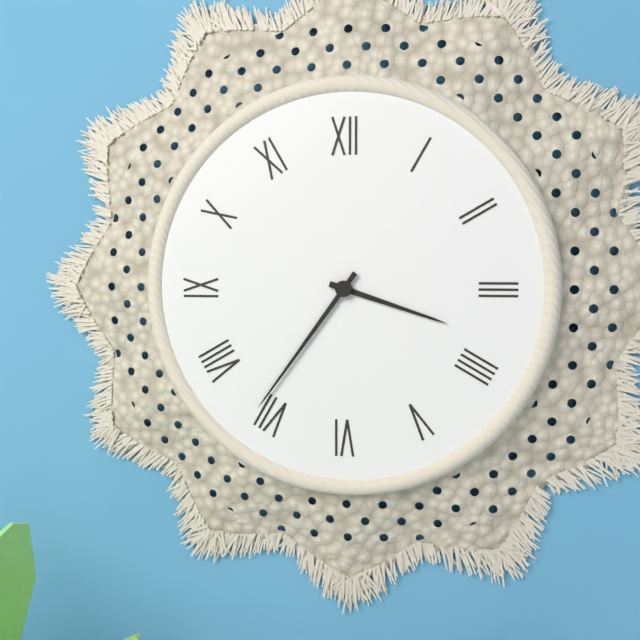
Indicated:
**3:36**
